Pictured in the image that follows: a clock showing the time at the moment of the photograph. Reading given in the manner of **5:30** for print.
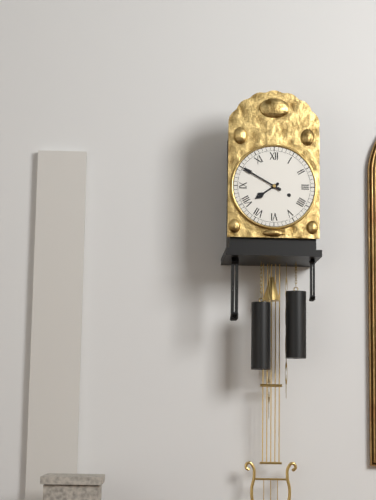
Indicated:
**7:50**
